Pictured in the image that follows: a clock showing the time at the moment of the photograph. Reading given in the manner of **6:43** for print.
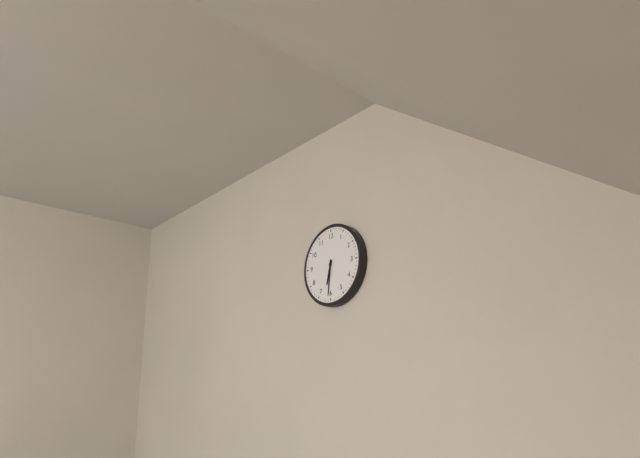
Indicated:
**6:31**
